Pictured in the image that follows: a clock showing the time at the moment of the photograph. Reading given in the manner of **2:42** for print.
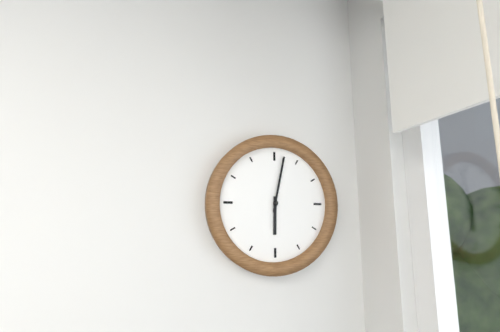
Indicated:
**6:02**
